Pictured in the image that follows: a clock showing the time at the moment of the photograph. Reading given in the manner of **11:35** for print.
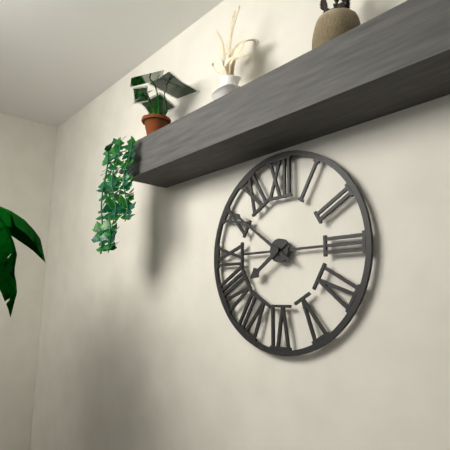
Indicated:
**7:51**
